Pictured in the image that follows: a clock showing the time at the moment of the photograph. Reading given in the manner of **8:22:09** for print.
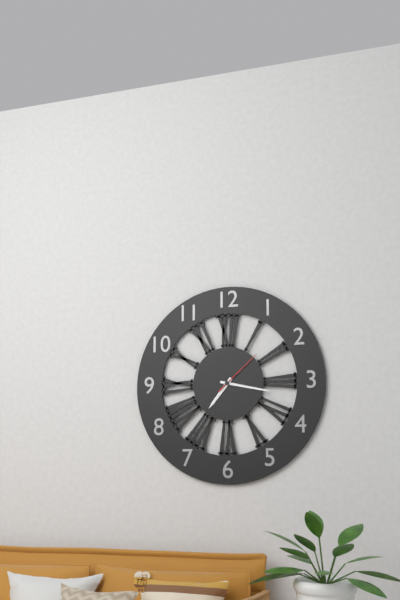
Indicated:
**7:17:08**
